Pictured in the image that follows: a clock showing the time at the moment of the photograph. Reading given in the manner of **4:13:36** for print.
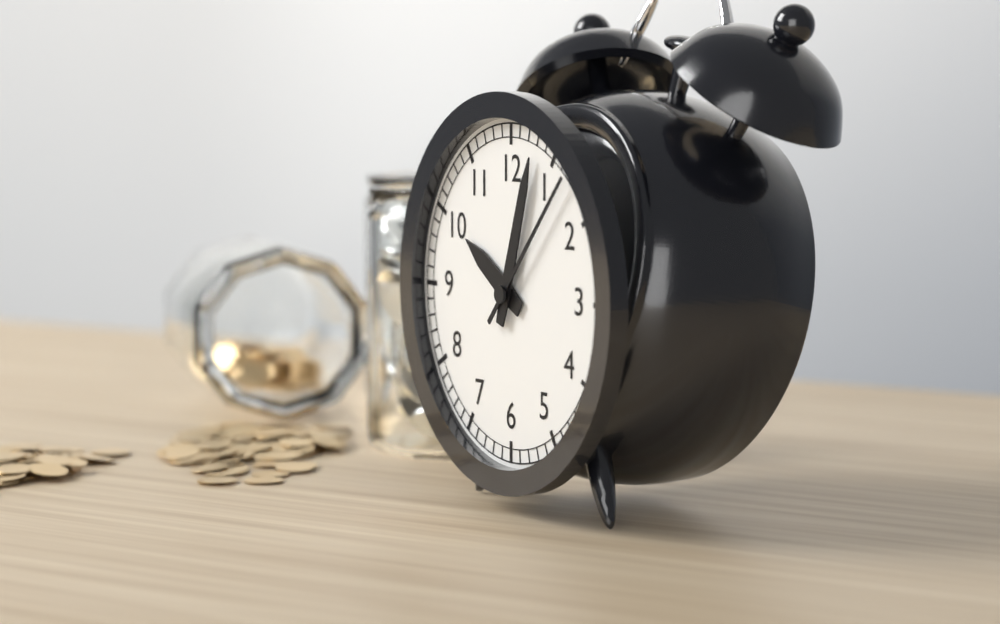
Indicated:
**10:03:07**
